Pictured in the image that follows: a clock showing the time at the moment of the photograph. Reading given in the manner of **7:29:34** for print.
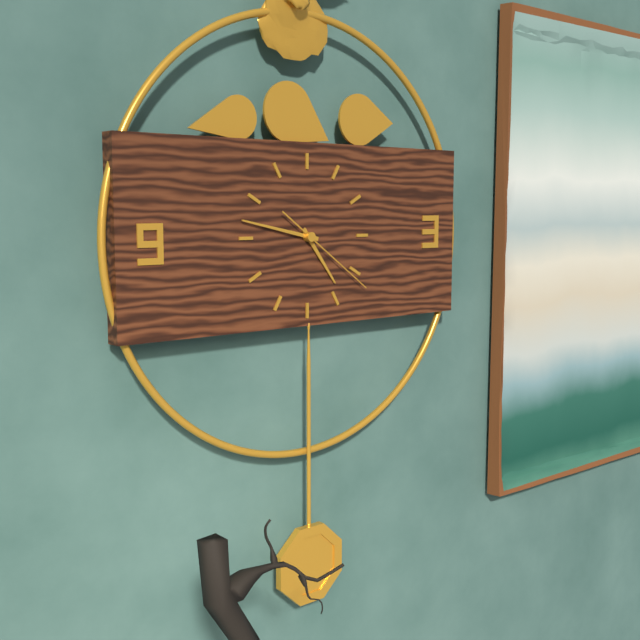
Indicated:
**4:47:21**
